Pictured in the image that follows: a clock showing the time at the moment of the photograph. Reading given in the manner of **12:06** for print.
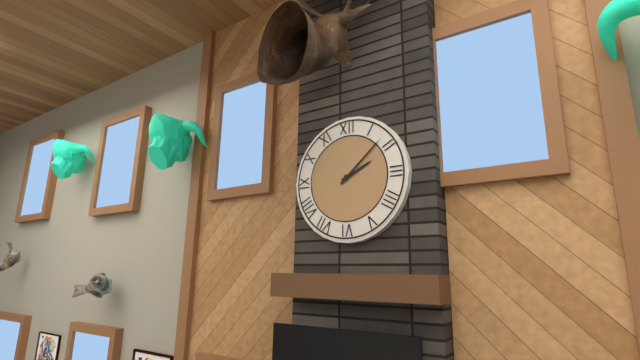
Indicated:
**2:08**
